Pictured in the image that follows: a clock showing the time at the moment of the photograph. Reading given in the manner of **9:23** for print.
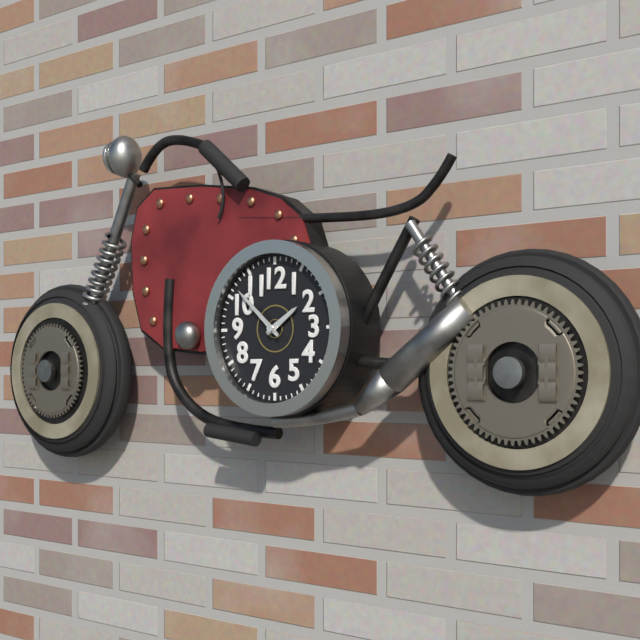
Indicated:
**1:52**
